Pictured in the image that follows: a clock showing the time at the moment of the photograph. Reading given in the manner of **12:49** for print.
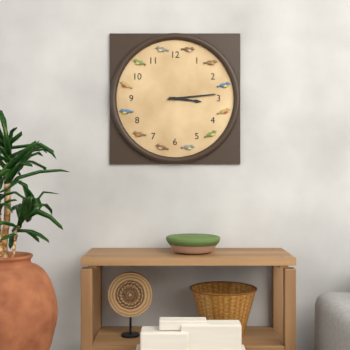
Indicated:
**3:14**
